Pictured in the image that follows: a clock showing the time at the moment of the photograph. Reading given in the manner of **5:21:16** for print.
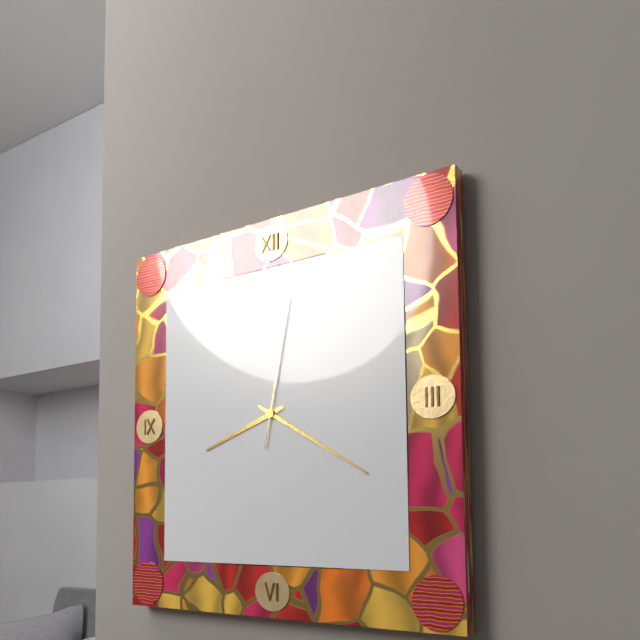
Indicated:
**8:20:02**
